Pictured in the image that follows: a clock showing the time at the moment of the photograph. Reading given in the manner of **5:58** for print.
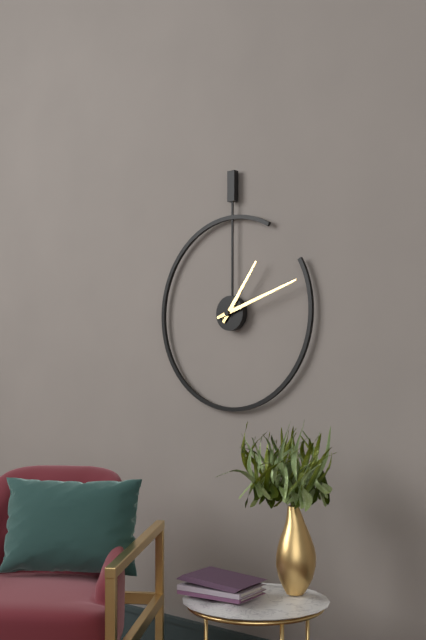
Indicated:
**1:12**
